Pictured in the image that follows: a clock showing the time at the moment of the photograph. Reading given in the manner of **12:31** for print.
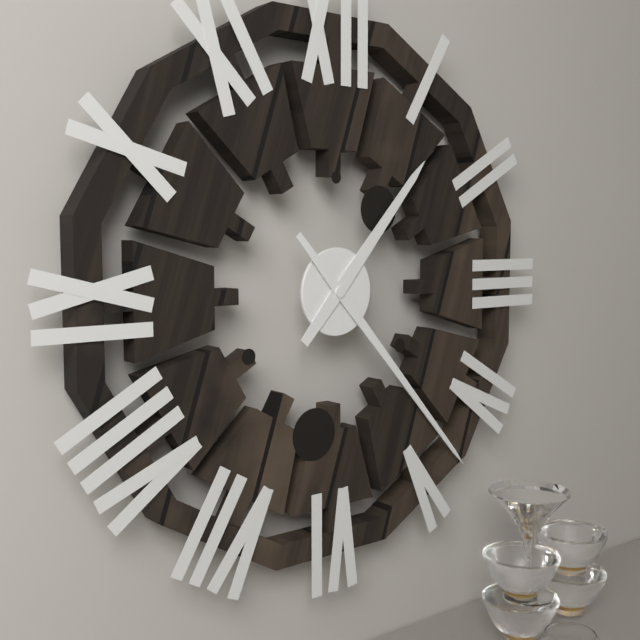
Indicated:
**1:23**
